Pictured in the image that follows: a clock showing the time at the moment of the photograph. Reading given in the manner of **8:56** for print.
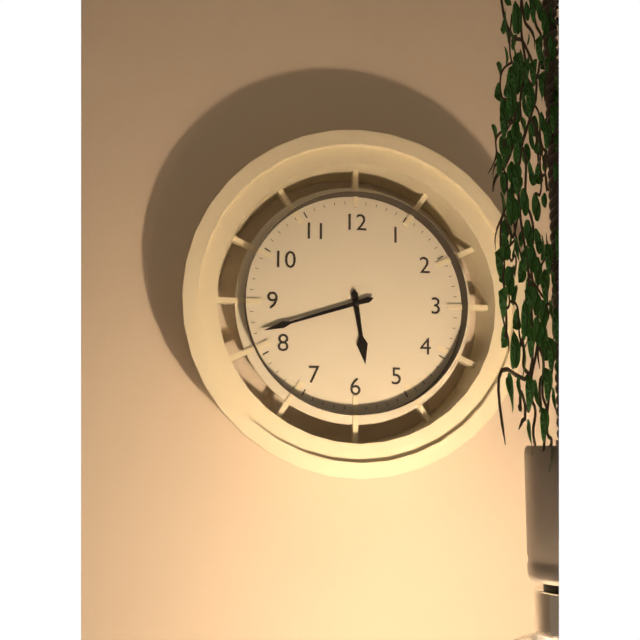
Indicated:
**5:42**
